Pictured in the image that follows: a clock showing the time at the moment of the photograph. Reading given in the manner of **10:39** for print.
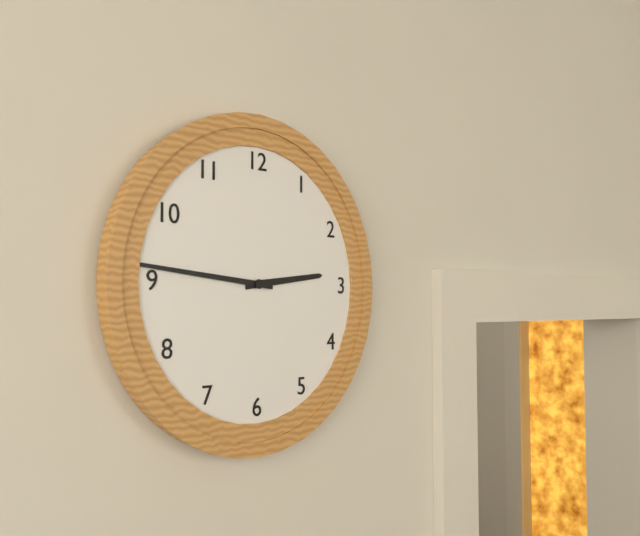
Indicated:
**2:46**
